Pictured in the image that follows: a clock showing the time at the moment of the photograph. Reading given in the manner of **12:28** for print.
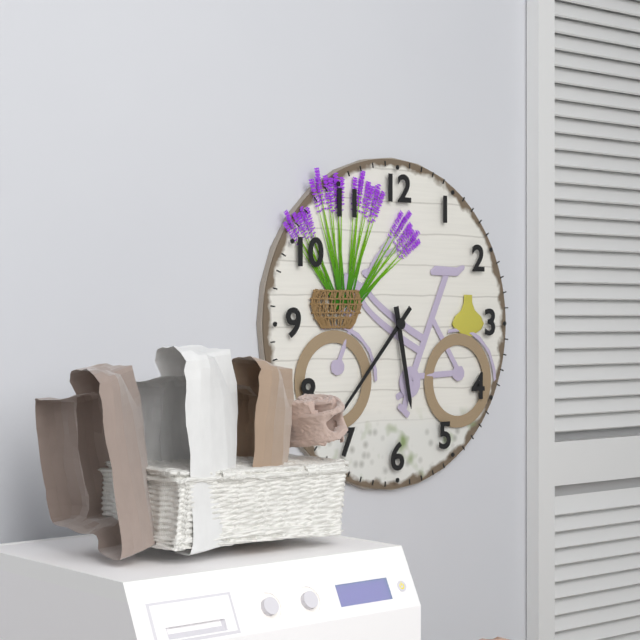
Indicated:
**5:37**
